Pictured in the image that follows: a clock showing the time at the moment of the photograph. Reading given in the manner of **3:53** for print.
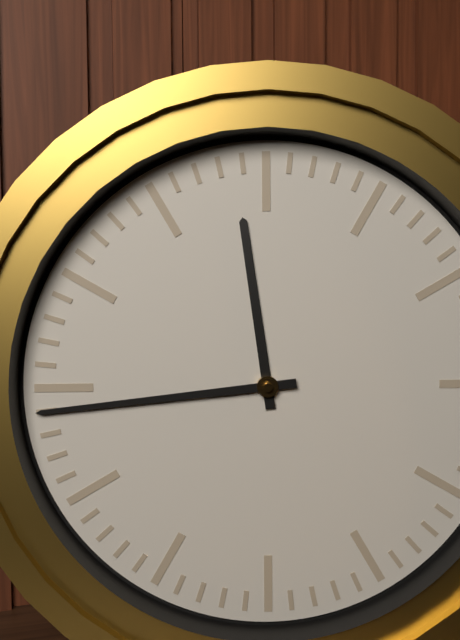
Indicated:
**11:44**
